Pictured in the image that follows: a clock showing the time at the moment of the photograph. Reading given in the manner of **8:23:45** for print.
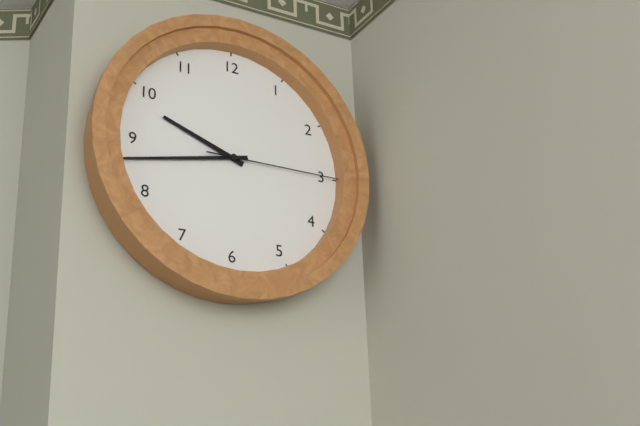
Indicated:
**9:43:15**
